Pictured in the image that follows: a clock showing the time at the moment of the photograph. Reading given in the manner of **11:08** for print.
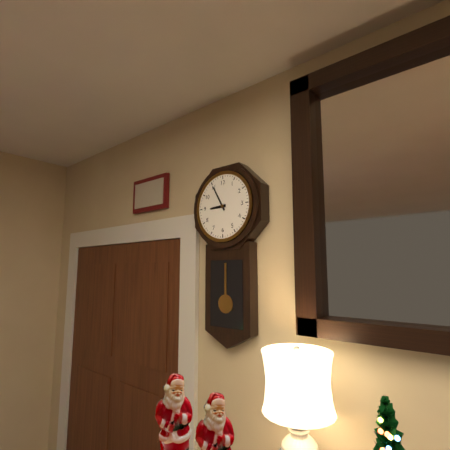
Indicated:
**8:55**
